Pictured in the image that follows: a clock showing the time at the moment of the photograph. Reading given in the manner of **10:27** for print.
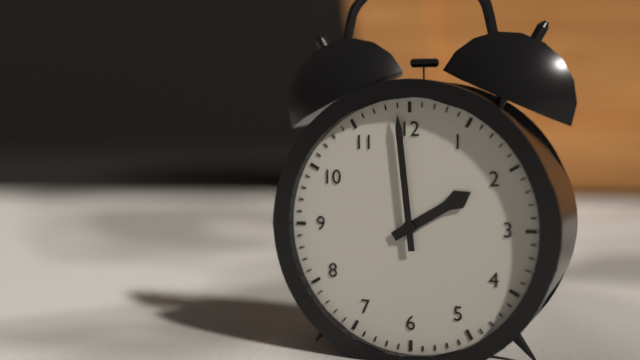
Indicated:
**1:59**
